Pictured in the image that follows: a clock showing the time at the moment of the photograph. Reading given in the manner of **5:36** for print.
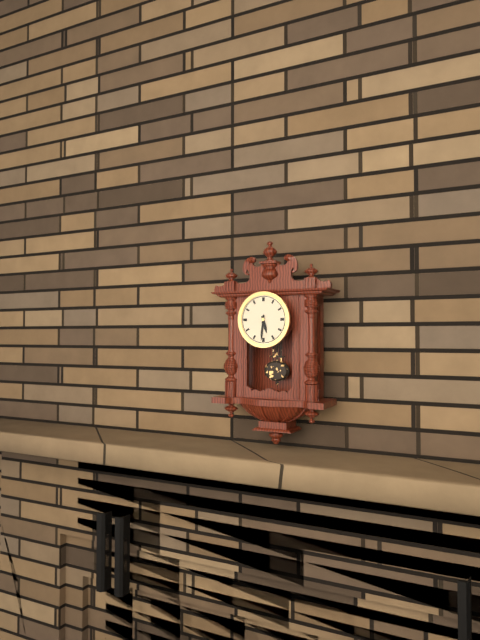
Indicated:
**5:31**
